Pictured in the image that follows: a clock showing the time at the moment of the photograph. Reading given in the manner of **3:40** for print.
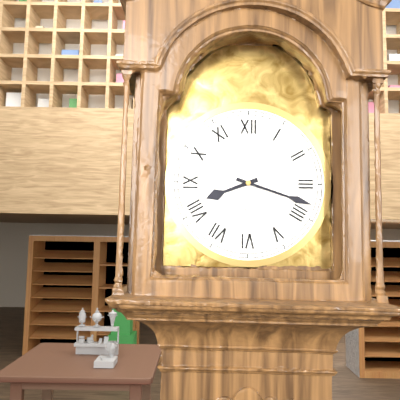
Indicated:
**8:18**
